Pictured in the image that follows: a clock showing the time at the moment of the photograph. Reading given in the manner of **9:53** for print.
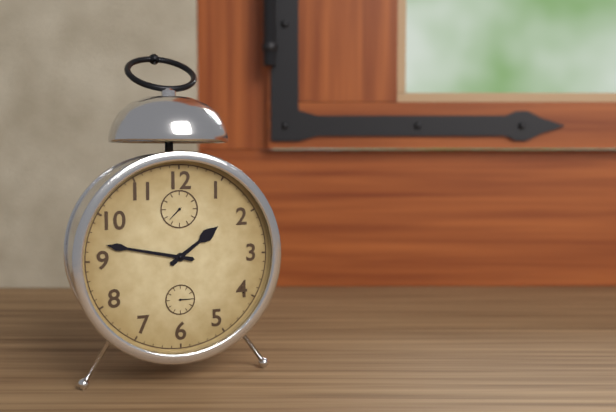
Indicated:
**1:47**
